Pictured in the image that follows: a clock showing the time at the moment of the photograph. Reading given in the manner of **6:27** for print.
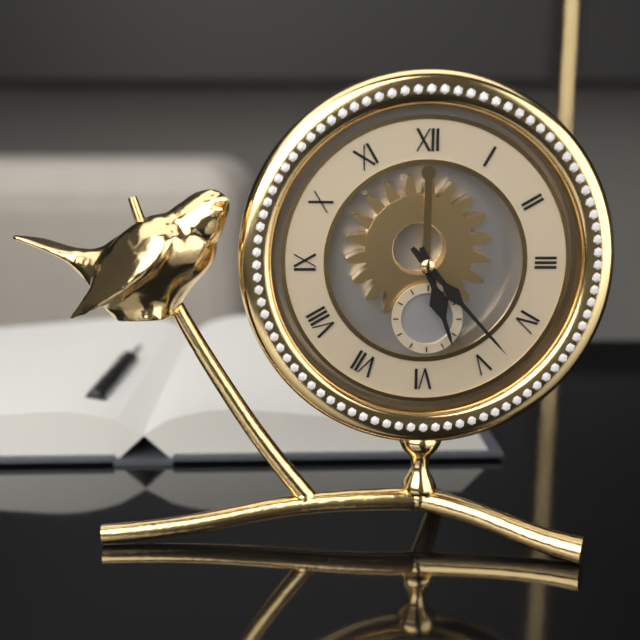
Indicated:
**5:23**
